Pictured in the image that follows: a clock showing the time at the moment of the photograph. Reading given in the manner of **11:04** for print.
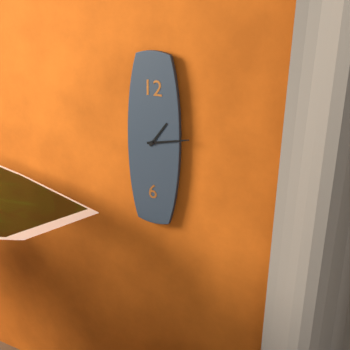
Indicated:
**1:13**
